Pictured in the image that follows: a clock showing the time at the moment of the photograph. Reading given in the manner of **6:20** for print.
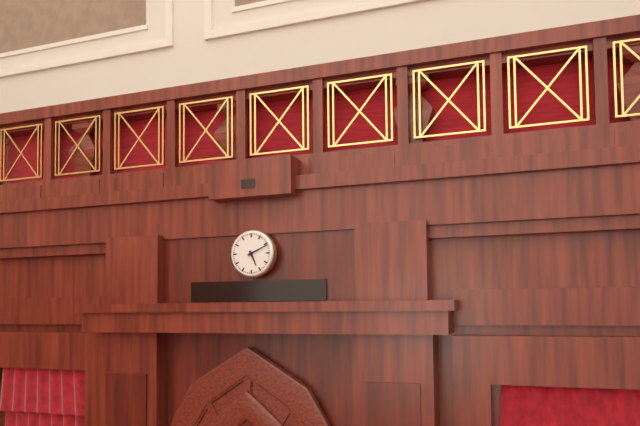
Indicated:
**5:11**
